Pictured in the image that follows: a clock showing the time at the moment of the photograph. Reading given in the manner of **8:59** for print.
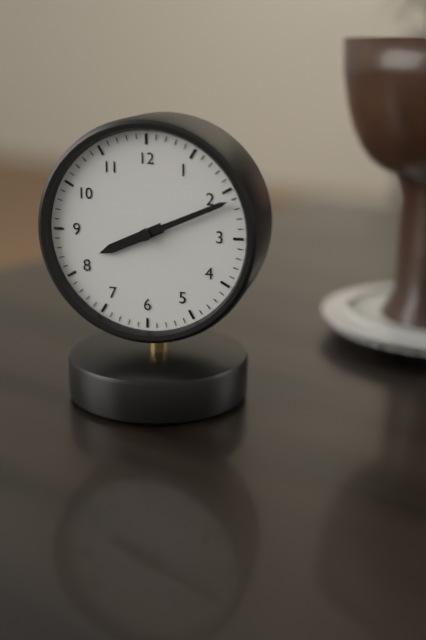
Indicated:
**8:11**
